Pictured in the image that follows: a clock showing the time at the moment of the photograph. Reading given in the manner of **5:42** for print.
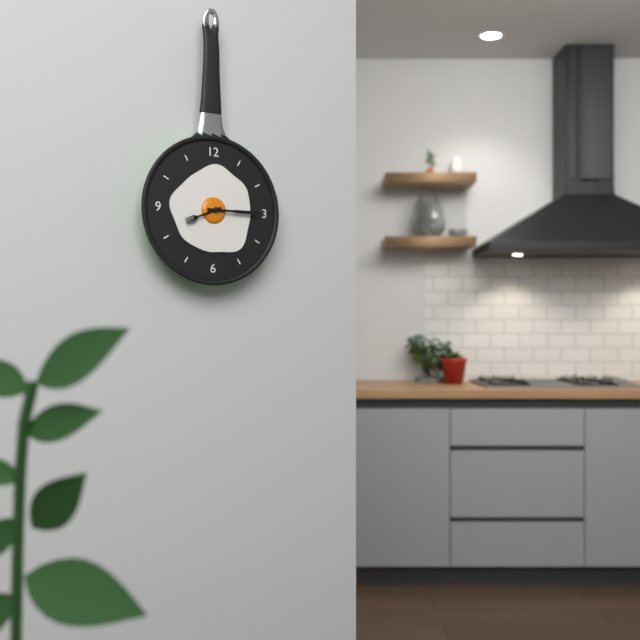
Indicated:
**8:15**
